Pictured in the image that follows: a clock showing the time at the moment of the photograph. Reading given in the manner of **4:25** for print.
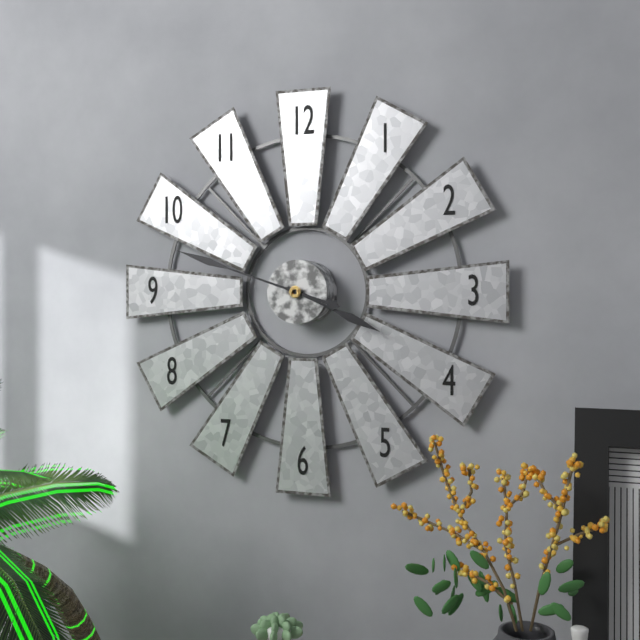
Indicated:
**3:48**
